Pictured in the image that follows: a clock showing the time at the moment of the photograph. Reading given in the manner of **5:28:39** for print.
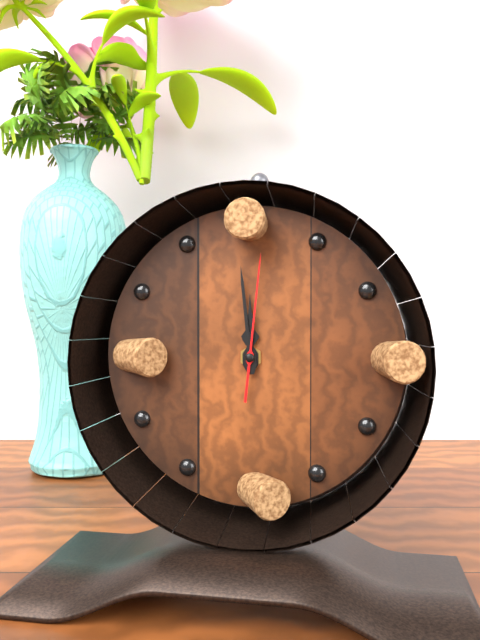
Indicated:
**11:59:01**
